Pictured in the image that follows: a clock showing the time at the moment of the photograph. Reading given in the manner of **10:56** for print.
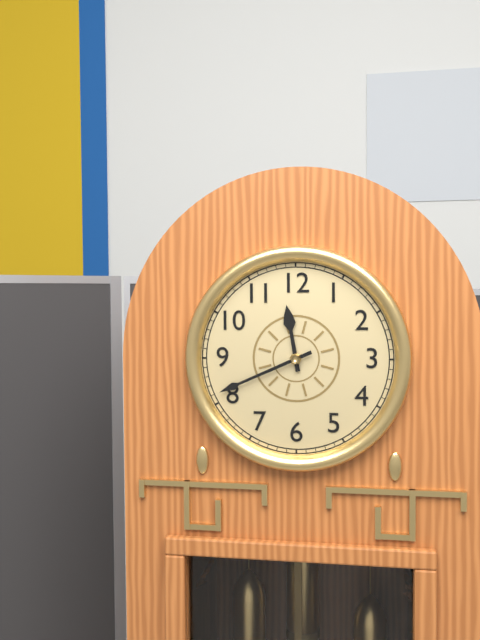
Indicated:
**11:41**
